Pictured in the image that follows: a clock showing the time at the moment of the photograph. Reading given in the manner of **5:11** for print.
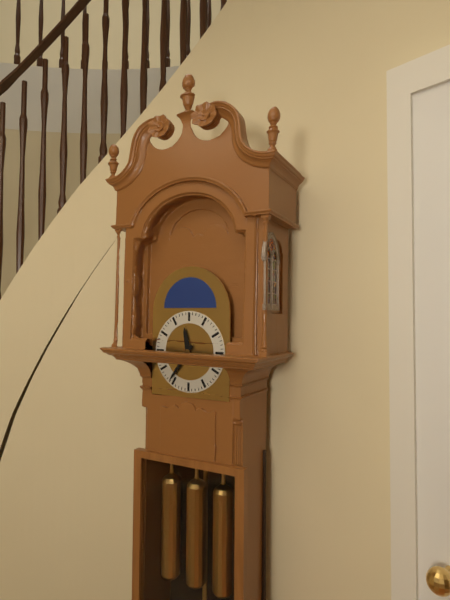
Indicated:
**11:36**
